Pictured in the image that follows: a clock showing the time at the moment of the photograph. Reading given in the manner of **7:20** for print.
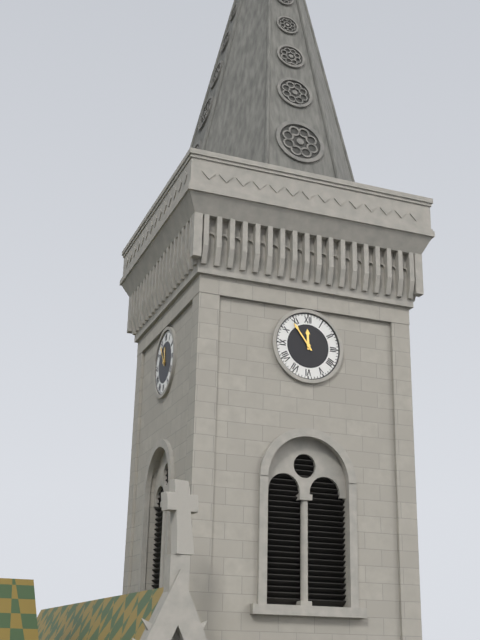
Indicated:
**11:54**
